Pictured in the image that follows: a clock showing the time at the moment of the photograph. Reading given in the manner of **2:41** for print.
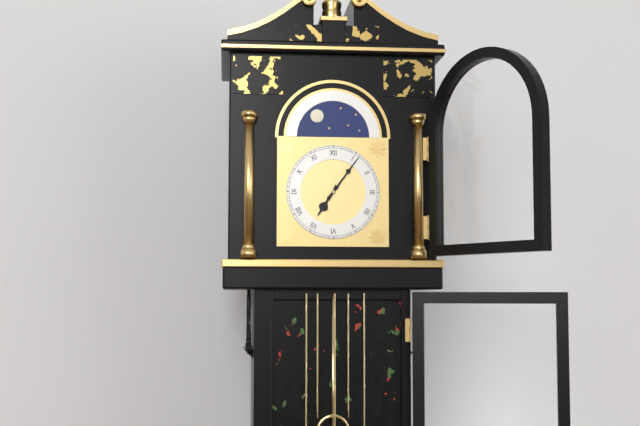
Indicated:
**7:06**
